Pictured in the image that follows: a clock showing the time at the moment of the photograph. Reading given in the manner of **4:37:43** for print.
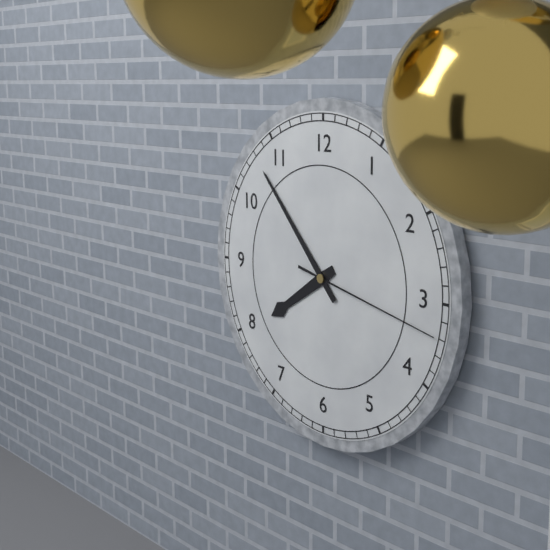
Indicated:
**7:53:17**
